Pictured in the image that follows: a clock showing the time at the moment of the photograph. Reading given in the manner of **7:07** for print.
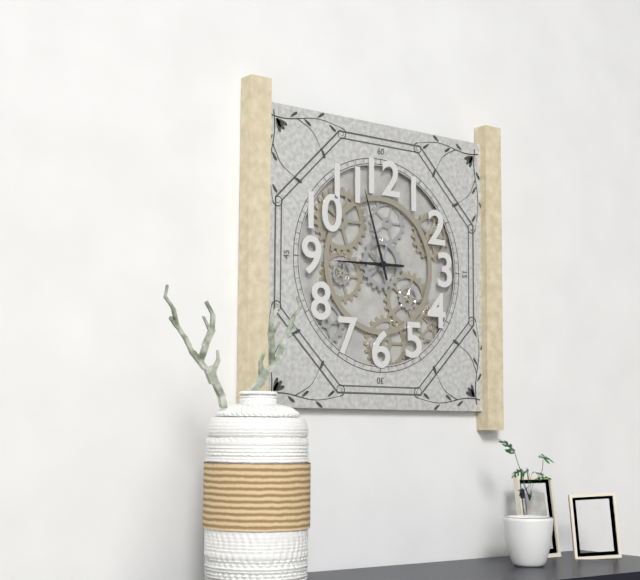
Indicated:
**8:57**
